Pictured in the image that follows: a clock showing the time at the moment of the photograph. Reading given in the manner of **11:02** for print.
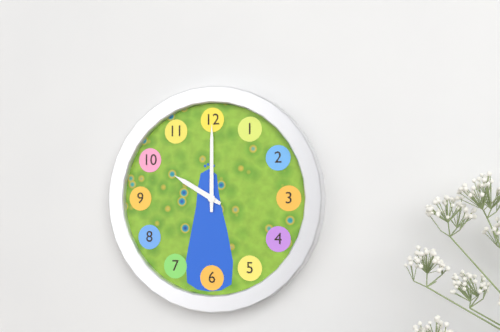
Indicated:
**10:00**
